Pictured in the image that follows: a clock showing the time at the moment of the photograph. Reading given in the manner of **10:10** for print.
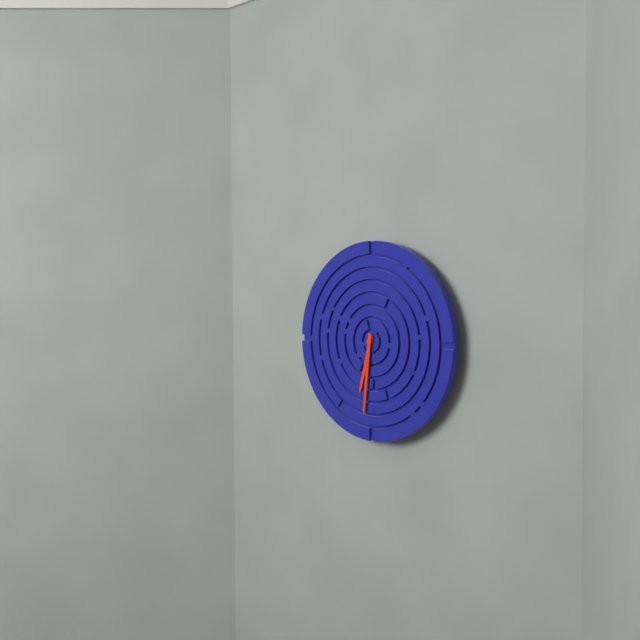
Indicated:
**6:31**
